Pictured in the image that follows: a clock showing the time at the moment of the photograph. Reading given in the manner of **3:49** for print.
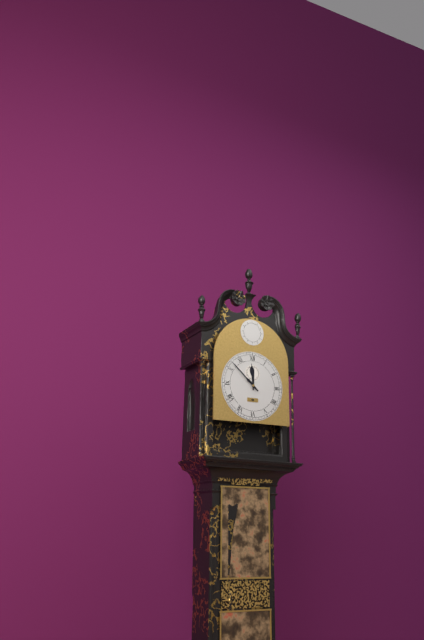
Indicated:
**11:52**
